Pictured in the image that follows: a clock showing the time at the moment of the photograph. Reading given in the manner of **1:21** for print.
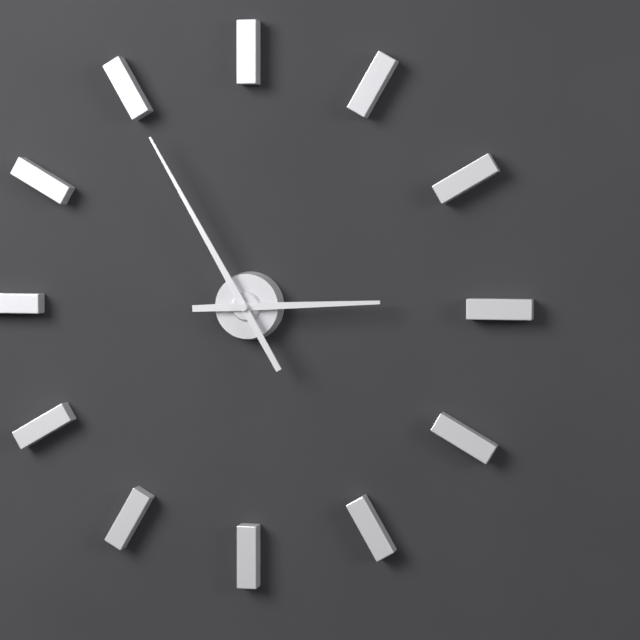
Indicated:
**2:55**
